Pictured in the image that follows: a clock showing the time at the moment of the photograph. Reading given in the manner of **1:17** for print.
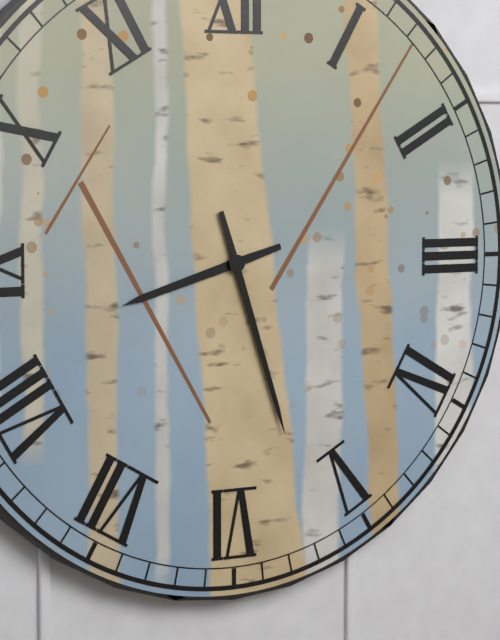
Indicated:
**8:27**
